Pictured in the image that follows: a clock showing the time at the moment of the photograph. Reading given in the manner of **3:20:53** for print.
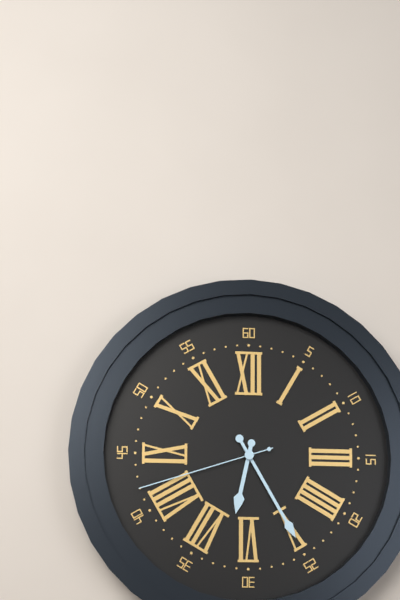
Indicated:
**6:25:42**
